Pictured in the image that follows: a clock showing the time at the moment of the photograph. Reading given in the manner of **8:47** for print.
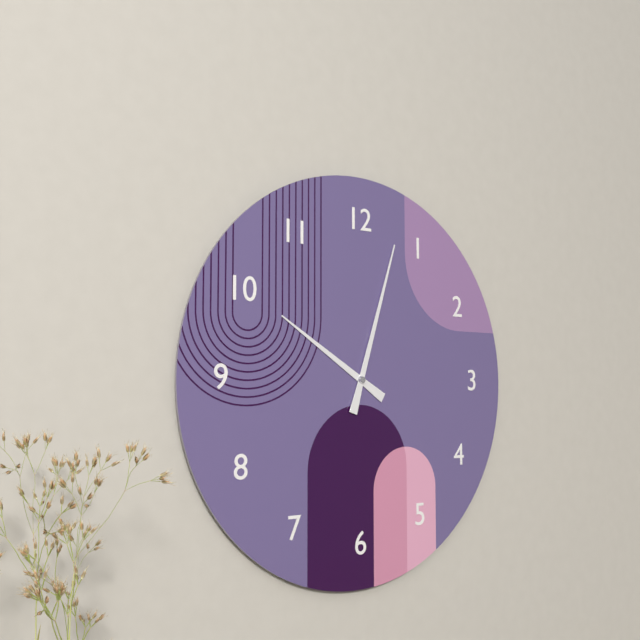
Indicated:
**10:03**
